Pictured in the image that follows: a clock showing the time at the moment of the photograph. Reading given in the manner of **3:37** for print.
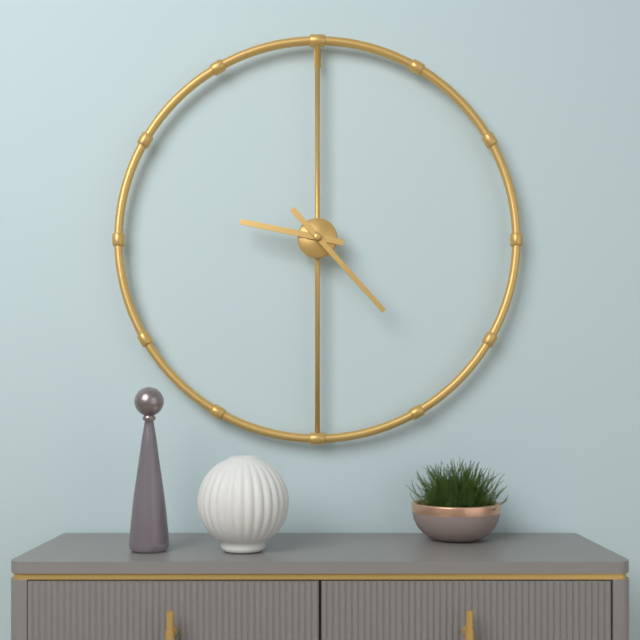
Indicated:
**9:23**
